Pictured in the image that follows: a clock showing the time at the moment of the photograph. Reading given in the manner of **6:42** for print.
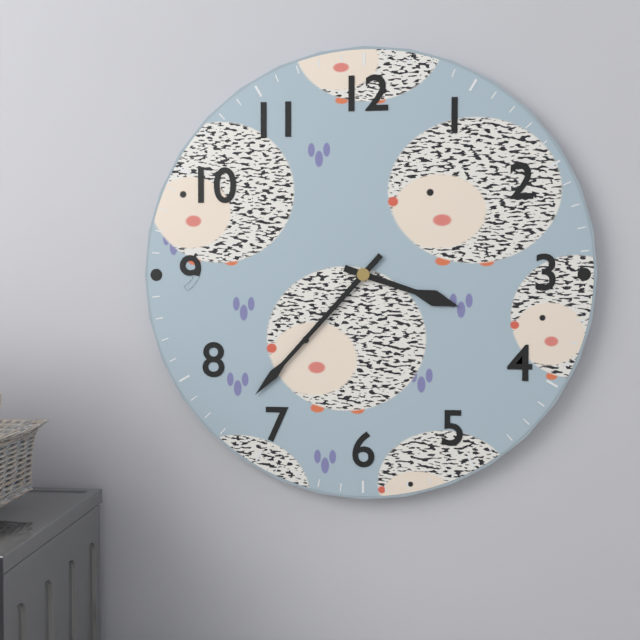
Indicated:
**3:37**
